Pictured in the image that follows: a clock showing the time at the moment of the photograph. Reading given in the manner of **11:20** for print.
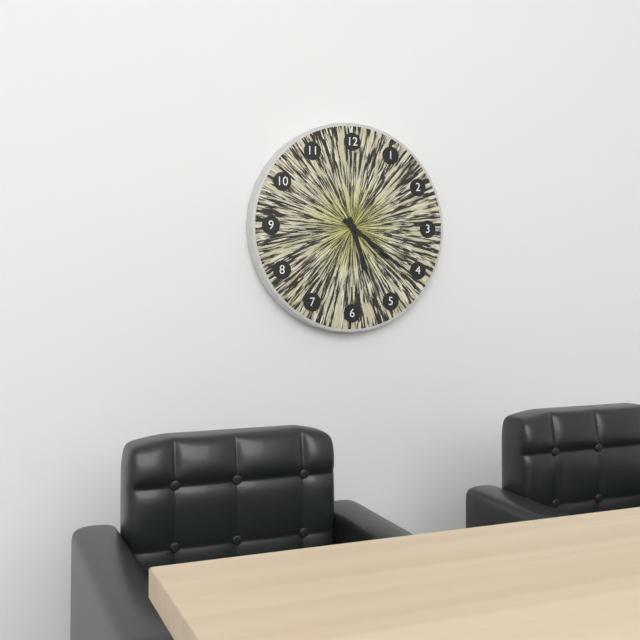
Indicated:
**5:21**
